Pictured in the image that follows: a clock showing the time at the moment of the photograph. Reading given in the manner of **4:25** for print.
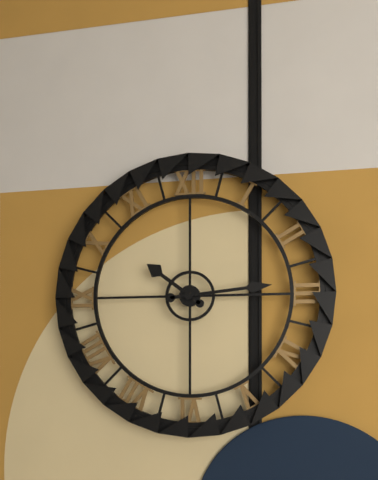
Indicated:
**10:14**
